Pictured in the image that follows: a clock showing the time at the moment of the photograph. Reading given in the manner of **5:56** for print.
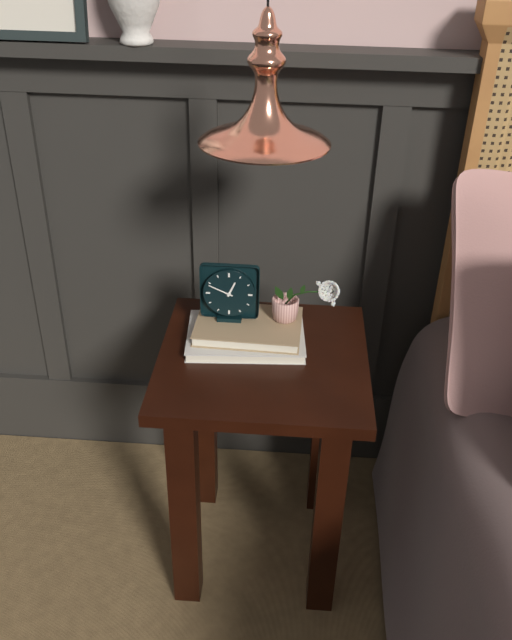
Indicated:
**12:49**
